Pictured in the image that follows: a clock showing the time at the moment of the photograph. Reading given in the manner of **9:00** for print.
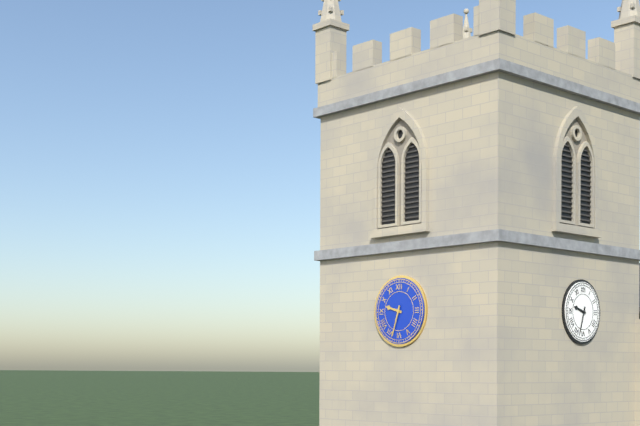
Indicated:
**9:33**
